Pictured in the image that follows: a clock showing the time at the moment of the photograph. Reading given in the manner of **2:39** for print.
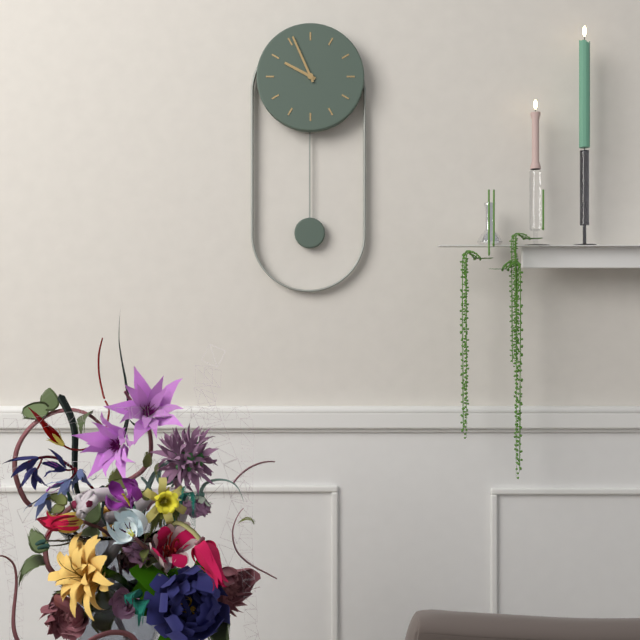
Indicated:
**9:56**
